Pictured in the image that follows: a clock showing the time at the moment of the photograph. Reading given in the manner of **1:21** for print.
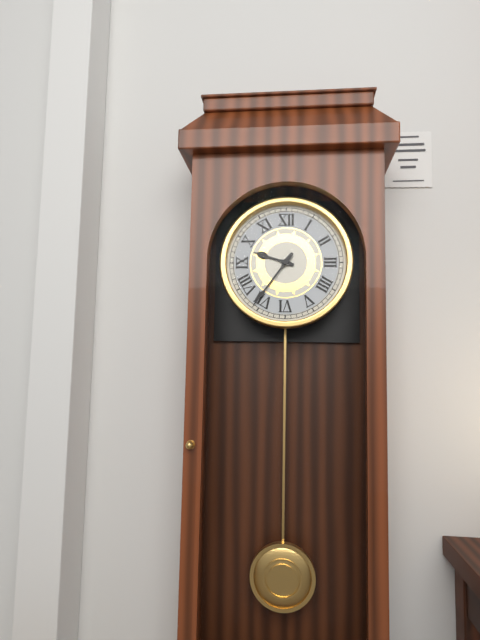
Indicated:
**9:36**
